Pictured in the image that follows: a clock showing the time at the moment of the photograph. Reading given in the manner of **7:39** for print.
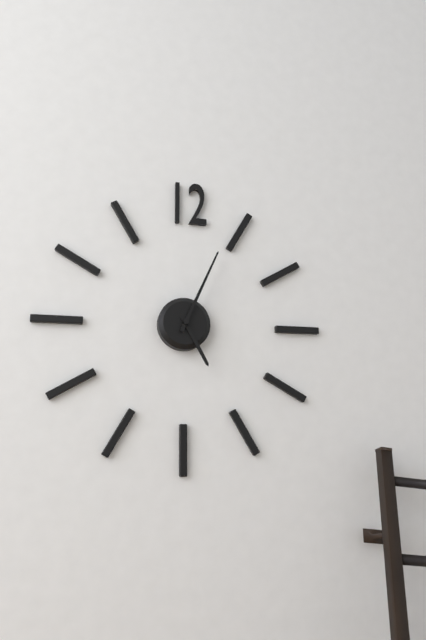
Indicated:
**5:04**
